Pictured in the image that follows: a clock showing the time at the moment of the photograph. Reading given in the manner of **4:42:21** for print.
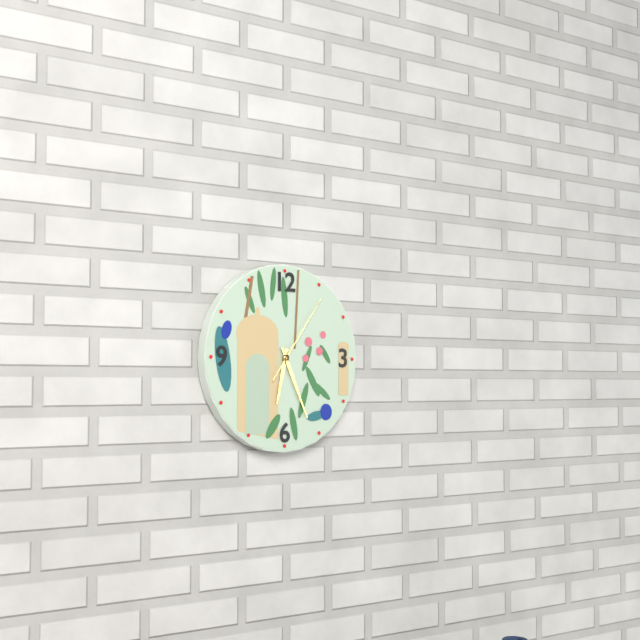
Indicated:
**6:26:06**
